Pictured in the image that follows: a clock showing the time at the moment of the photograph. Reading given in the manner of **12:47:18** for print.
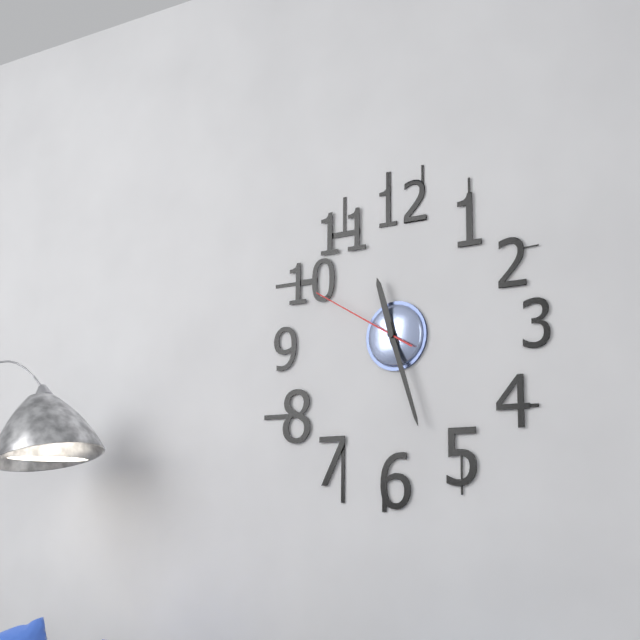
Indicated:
**11:27:50**
